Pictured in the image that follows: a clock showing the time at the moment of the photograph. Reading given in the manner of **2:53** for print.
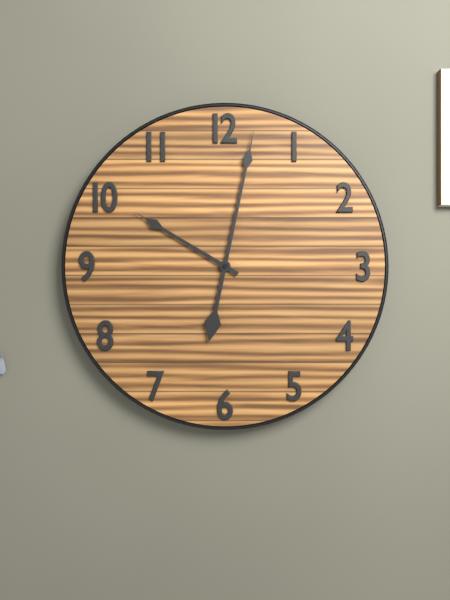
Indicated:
**10:02**
